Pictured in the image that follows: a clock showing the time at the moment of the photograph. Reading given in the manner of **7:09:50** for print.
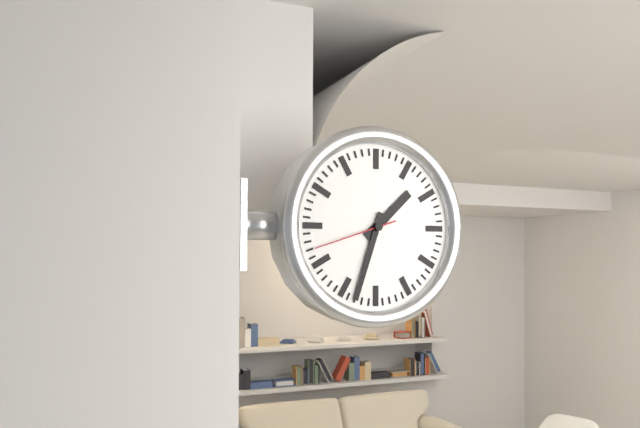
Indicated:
**1:33:42**
